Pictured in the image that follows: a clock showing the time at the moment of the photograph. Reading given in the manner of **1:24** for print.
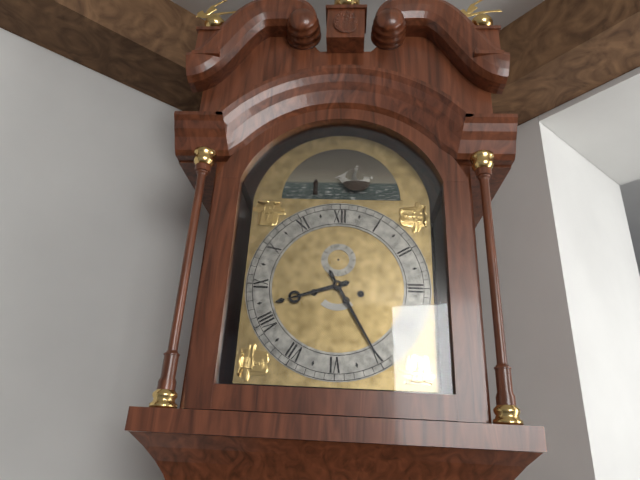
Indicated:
**8:25**
